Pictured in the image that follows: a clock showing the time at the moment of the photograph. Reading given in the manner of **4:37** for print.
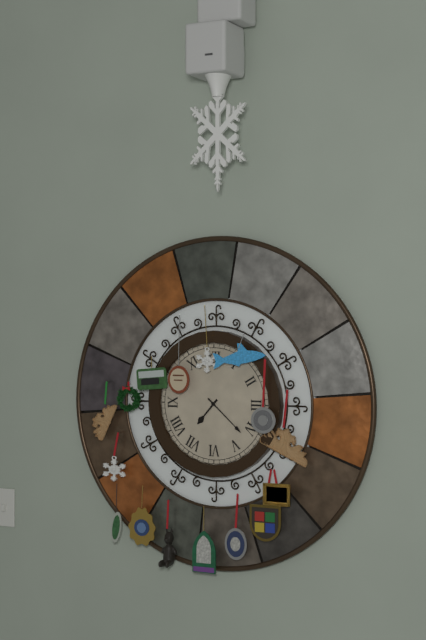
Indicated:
**7:22**
